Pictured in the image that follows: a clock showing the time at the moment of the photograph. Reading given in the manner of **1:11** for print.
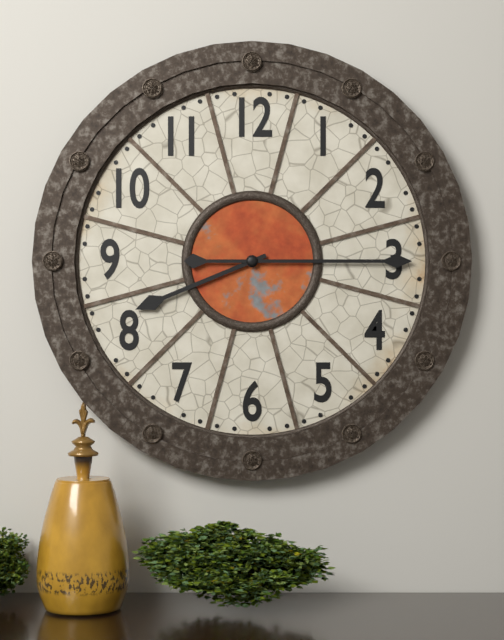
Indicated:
**8:15**
